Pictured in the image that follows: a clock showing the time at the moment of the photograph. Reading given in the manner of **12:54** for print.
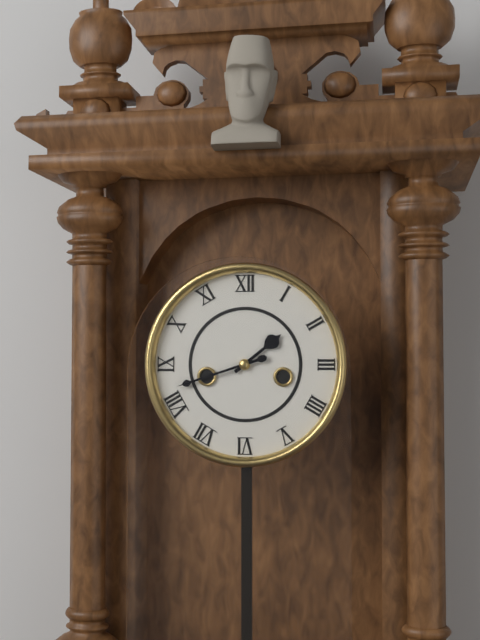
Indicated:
**1:42**
